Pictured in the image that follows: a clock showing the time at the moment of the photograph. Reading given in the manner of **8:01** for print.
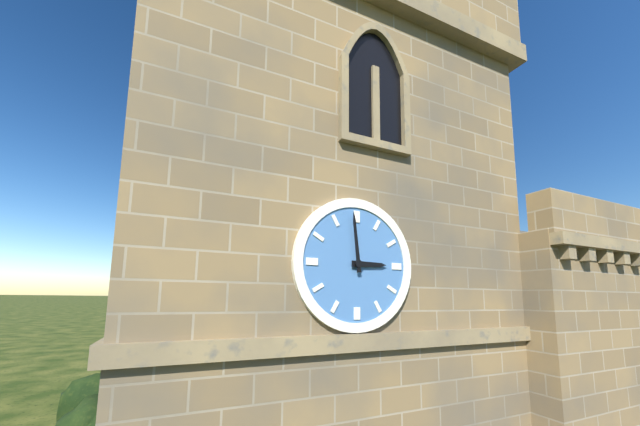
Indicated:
**2:59**
